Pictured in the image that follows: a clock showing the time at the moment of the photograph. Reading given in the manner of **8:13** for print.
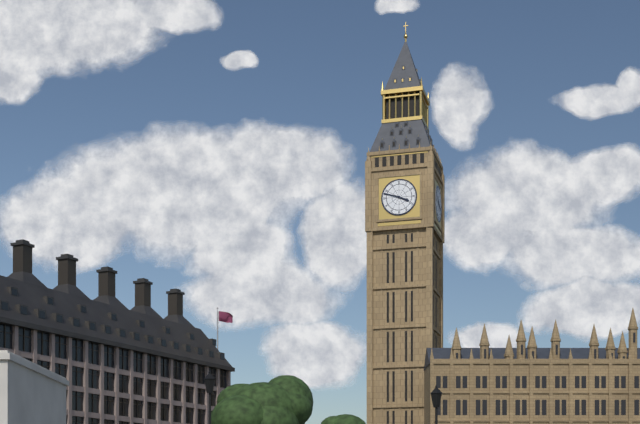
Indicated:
**3:48**
